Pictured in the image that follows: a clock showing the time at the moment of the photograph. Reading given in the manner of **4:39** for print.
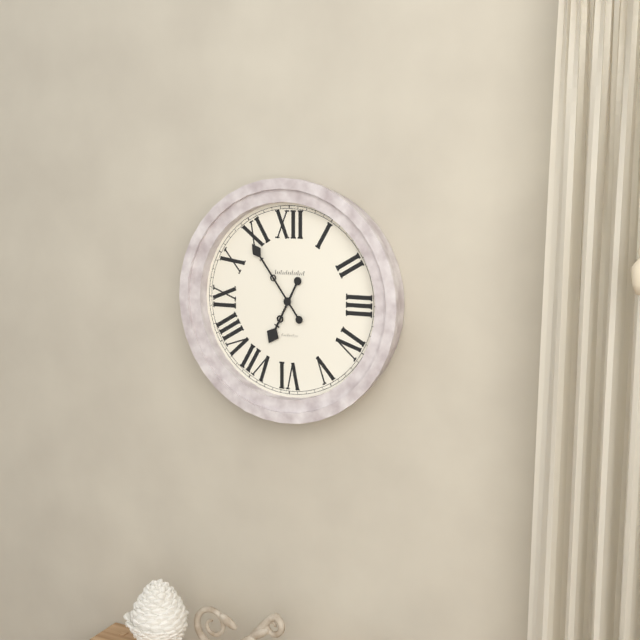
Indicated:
**6:54**
